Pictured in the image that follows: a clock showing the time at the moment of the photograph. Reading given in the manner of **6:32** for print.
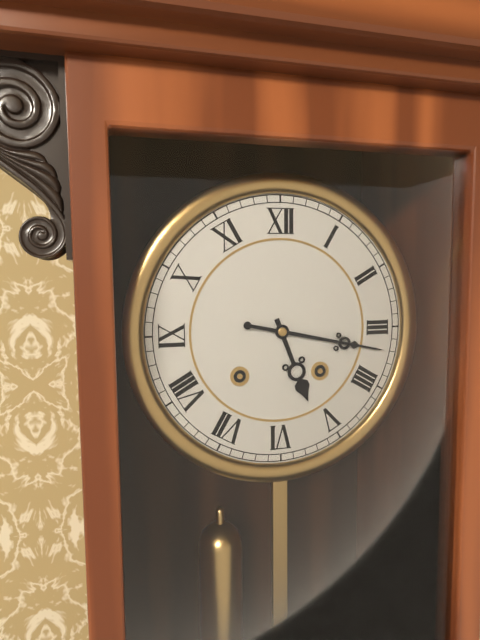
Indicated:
**5:17**
